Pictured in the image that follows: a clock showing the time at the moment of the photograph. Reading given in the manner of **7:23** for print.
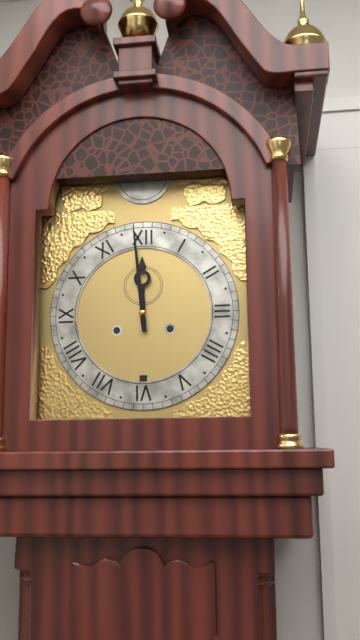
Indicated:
**11:59**
